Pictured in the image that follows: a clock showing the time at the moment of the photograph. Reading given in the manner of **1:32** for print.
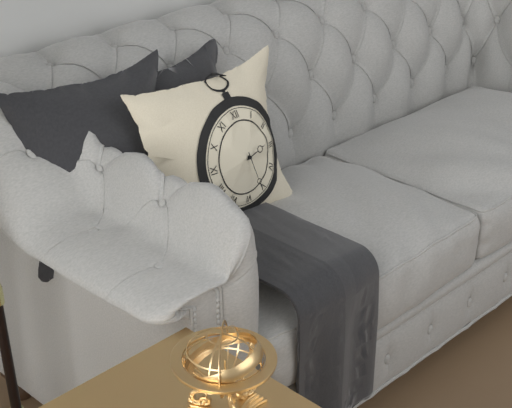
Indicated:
**2:28**
